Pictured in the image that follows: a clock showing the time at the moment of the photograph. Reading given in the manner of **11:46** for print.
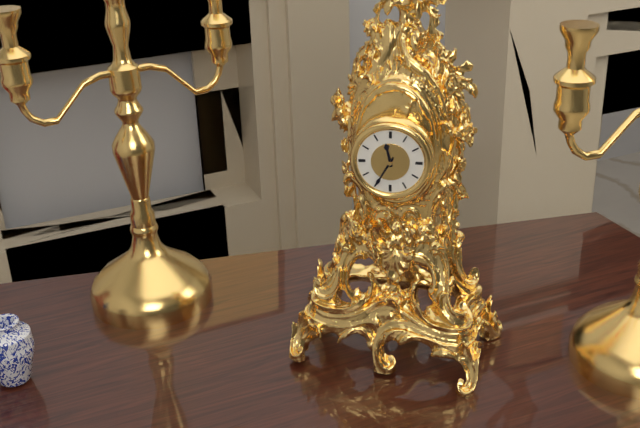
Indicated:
**11:35**
